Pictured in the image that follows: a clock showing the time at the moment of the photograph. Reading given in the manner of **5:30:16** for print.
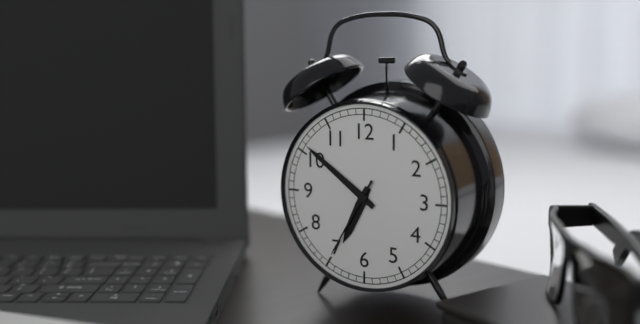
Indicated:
**6:51:35**
